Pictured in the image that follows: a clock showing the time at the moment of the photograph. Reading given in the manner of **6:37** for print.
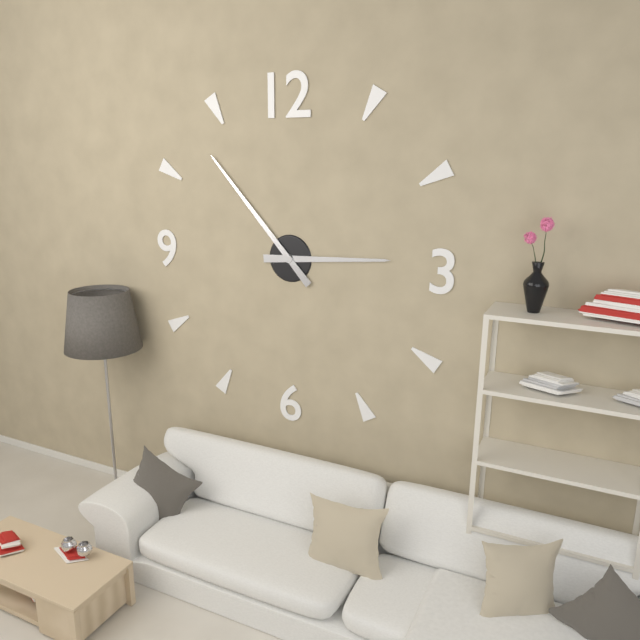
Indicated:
**2:53**
